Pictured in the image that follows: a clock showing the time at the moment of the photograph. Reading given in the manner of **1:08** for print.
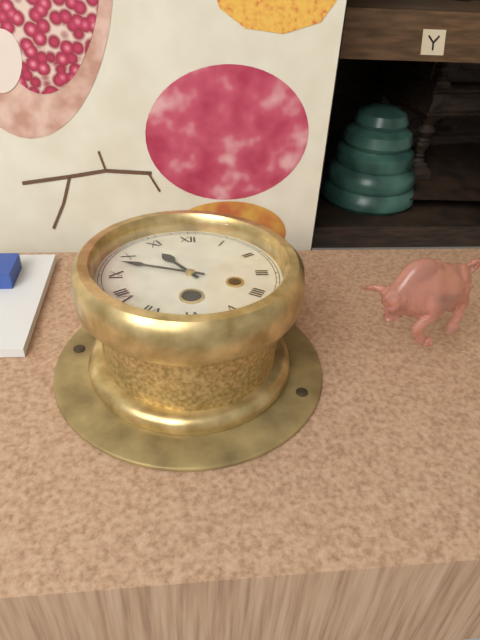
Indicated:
**10:48**
